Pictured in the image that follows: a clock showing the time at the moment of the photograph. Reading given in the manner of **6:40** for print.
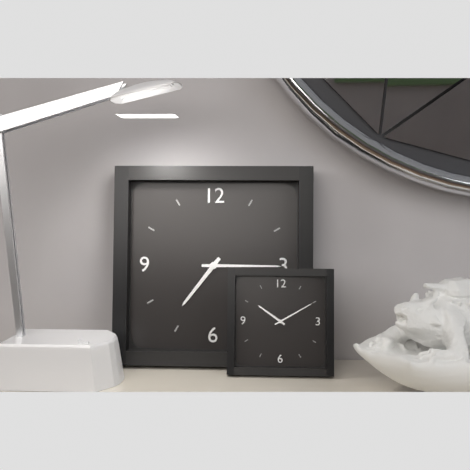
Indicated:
**7:15**
